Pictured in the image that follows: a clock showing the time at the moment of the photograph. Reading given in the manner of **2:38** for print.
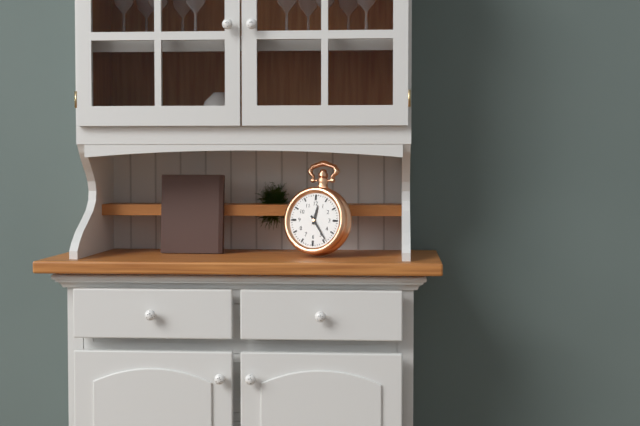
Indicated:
**12:24**
